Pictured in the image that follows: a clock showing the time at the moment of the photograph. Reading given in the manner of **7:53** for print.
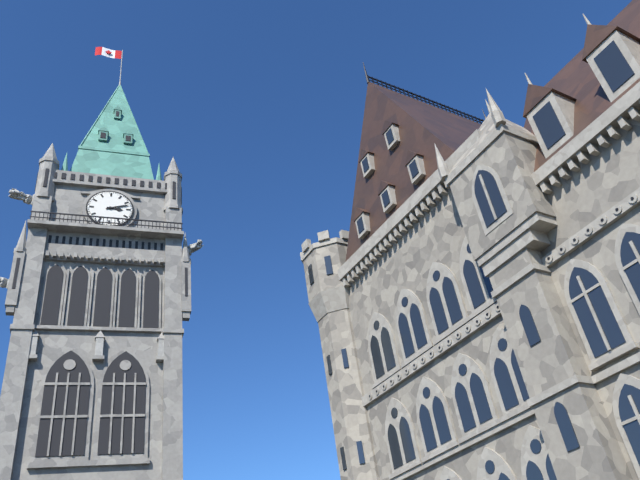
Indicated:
**3:12**
